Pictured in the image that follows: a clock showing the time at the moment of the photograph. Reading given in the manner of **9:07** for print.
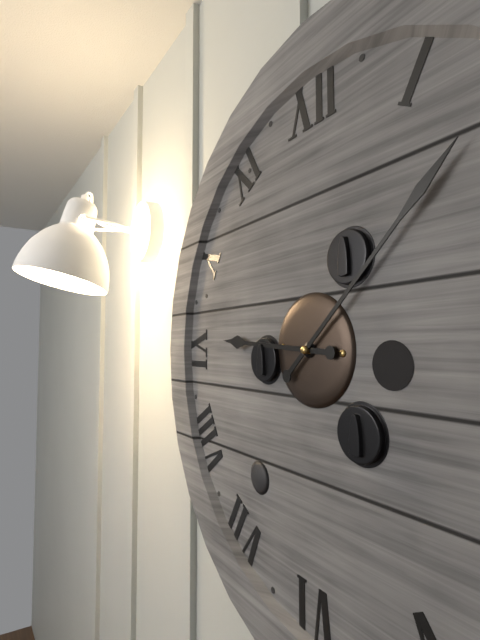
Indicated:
**9:08**
